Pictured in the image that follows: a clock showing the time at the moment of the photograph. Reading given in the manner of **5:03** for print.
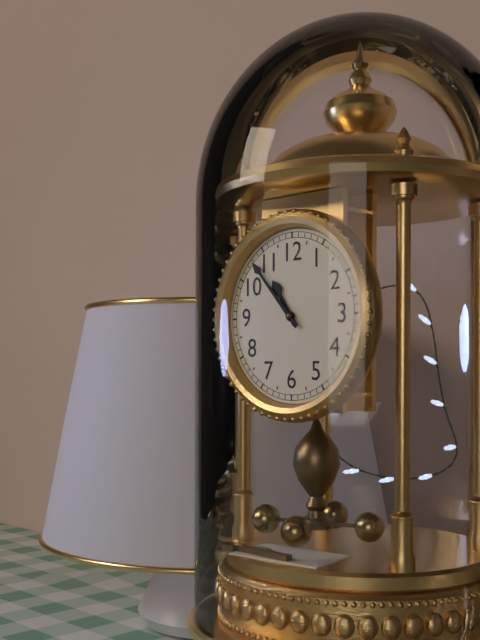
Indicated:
**10:53**
